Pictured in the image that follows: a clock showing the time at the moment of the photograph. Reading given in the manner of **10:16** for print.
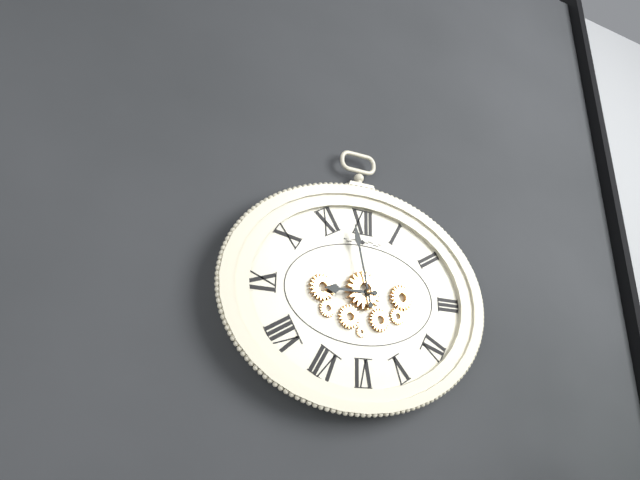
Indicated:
**8:58**
